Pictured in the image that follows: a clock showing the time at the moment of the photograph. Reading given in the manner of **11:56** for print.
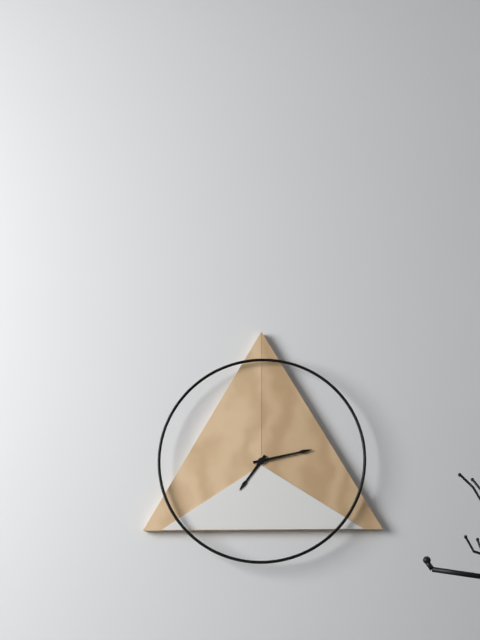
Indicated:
**7:13**
